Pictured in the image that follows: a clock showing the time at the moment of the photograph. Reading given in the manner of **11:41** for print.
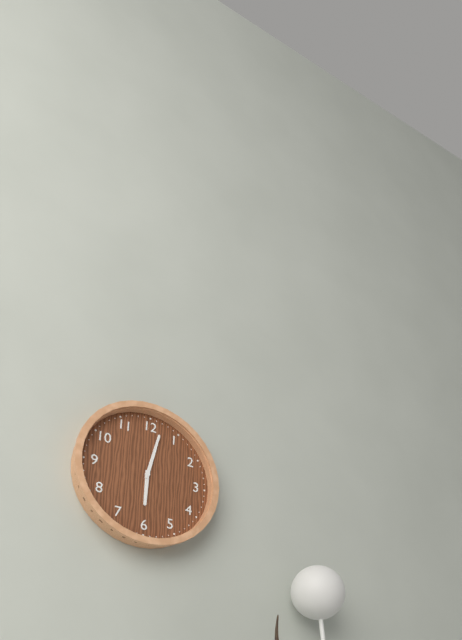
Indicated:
**6:02**
